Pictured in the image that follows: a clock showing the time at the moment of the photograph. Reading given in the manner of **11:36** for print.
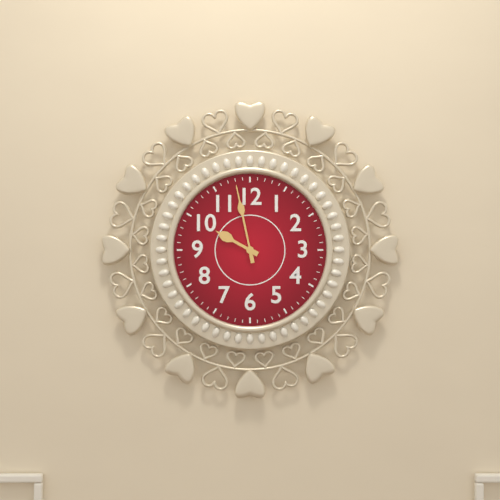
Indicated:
**9:58**
